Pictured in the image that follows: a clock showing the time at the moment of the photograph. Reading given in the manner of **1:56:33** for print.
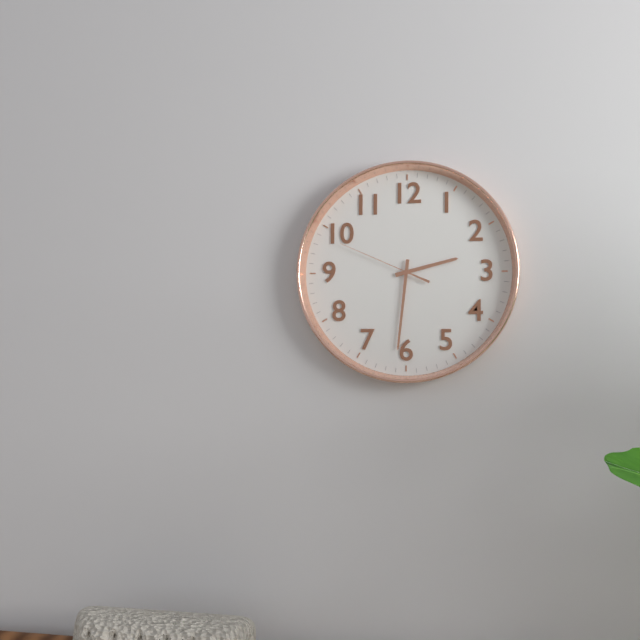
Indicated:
**2:31:49**
